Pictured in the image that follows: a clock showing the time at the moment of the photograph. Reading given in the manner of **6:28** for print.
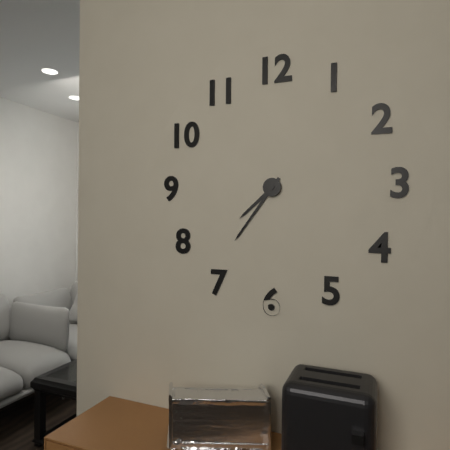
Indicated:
**7:36**
